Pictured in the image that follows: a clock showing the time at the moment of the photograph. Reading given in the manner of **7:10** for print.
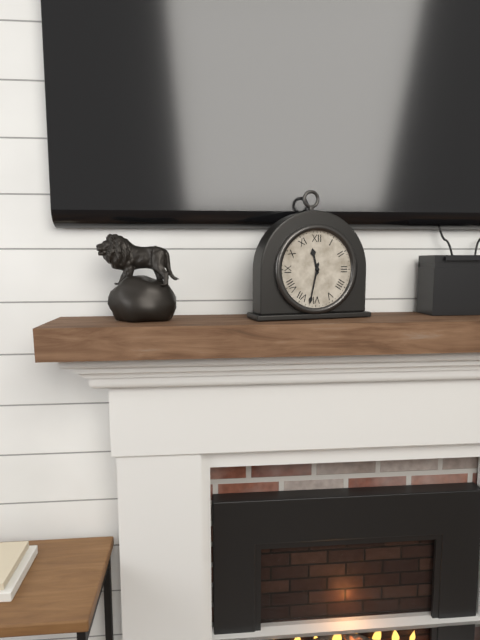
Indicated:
**11:32**
